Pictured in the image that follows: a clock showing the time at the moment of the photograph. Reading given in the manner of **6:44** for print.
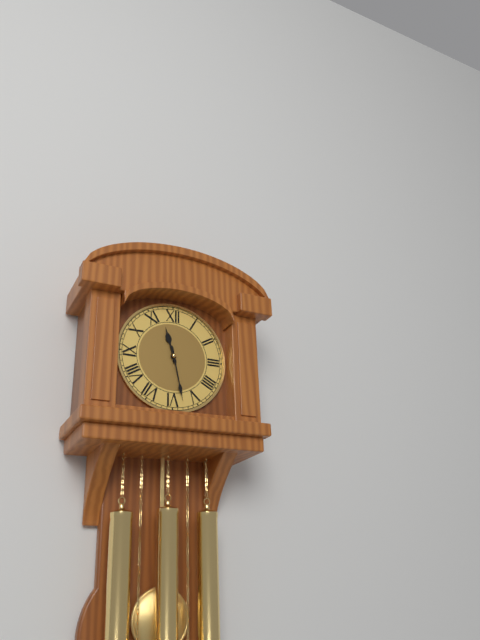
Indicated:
**11:28**
